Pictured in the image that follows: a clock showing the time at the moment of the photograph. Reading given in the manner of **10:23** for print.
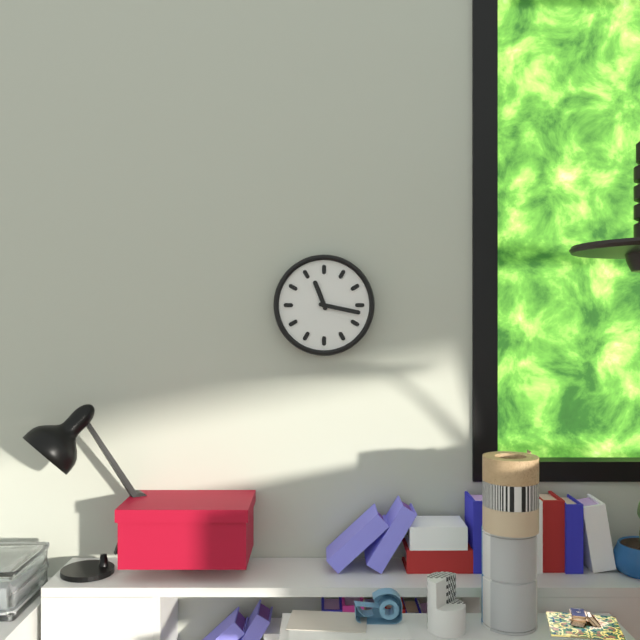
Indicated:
**11:17**
